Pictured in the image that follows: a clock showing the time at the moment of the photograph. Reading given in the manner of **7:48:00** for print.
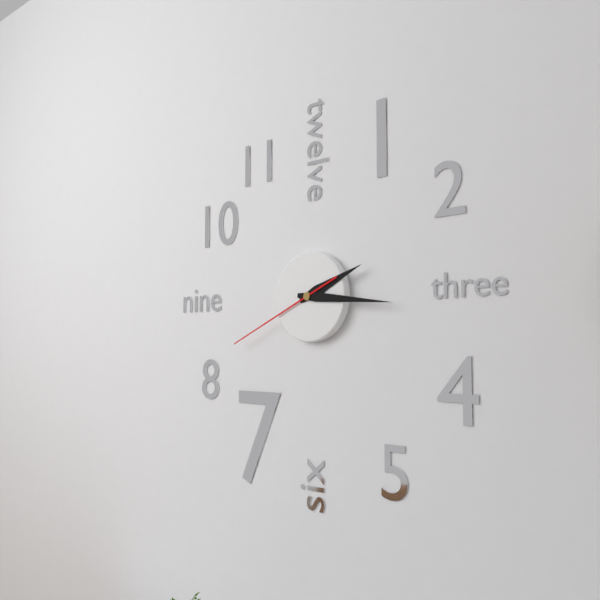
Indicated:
**2:16:41**
